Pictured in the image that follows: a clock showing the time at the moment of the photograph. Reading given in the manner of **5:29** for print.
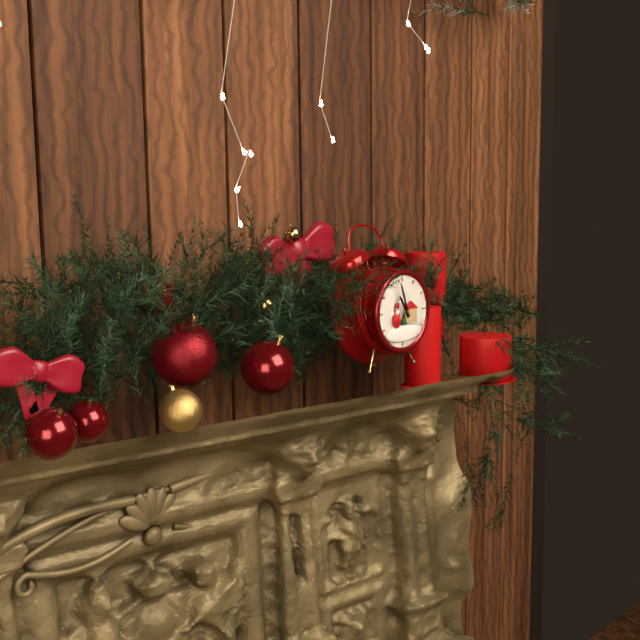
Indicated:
**10:57**
